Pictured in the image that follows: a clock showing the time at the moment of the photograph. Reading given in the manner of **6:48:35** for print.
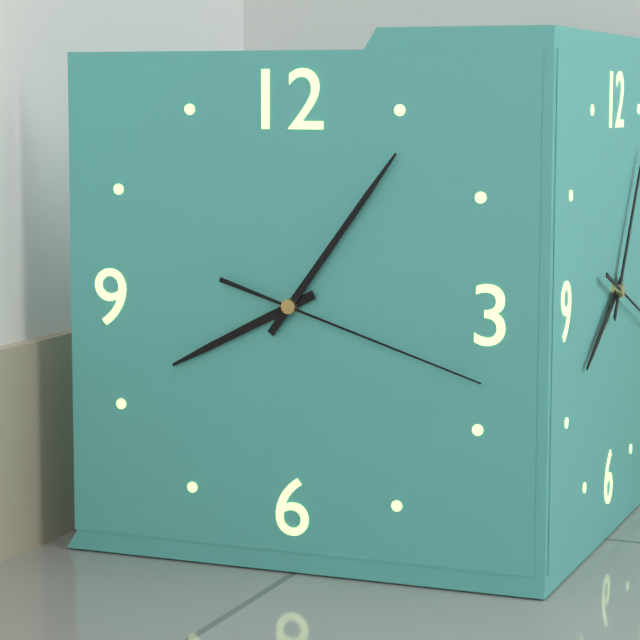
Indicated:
**8:06:18**
